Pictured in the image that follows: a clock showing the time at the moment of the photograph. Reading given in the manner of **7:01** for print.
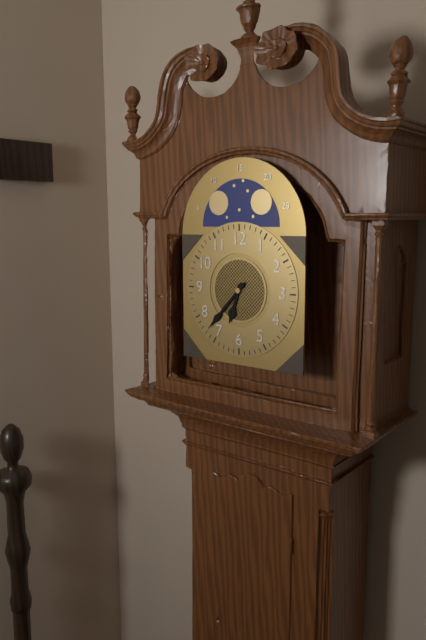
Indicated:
**6:37**
